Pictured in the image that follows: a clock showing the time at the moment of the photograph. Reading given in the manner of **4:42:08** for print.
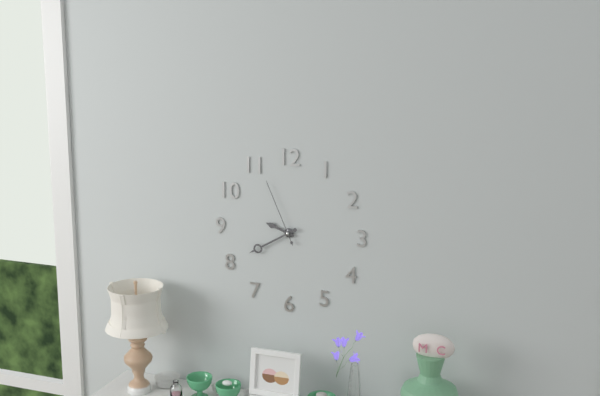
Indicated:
**9:40:56**
